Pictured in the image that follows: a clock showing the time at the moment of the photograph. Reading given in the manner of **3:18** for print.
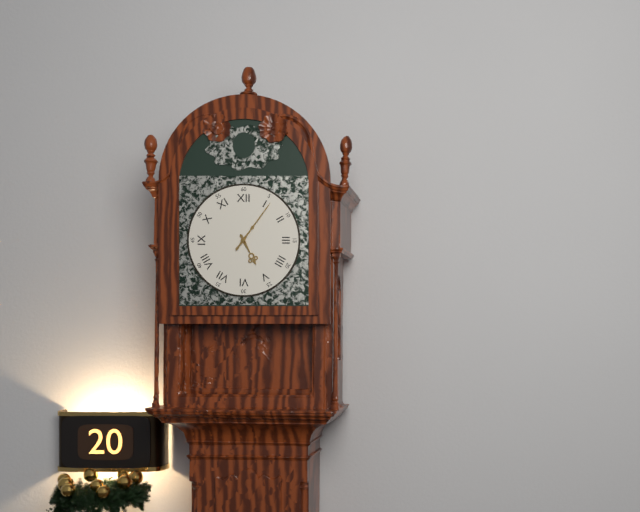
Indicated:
**5:06**
